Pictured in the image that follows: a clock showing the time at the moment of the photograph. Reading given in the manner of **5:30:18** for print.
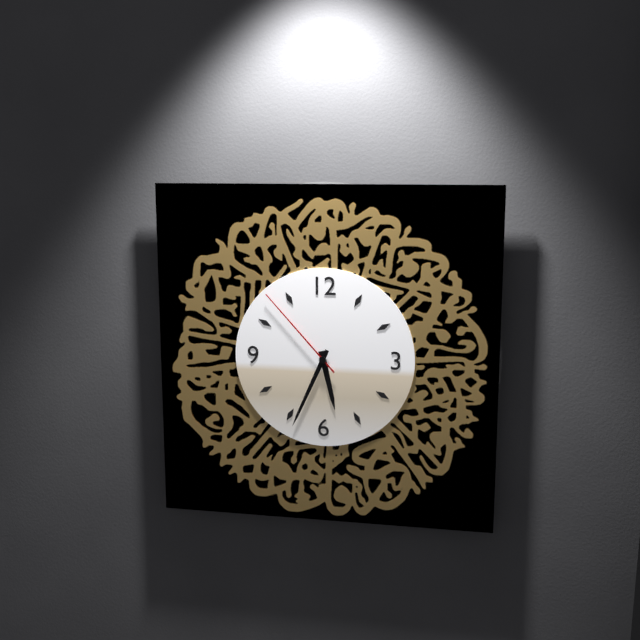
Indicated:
**5:34:53**
